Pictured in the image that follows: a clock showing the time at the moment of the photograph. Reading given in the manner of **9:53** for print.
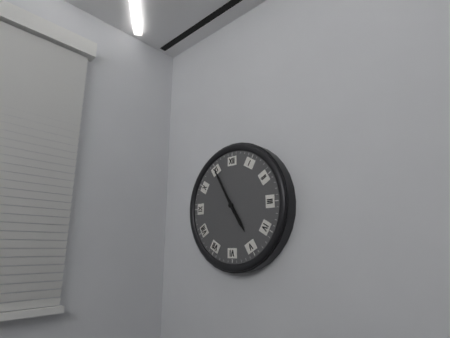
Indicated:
**4:55**
